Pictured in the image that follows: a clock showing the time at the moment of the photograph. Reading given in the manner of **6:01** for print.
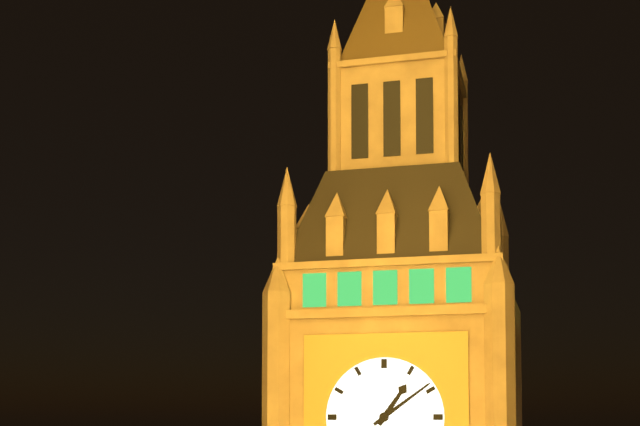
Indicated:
**1:09**
